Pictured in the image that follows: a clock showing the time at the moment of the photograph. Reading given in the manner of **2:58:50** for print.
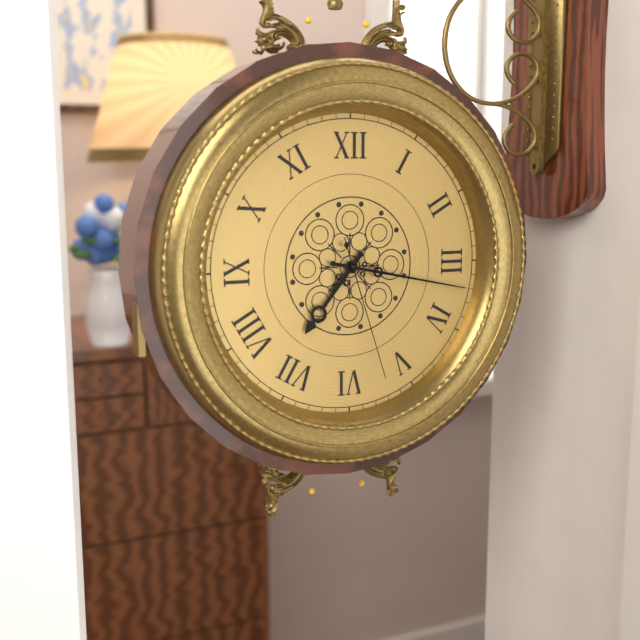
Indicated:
**7:17:27**
